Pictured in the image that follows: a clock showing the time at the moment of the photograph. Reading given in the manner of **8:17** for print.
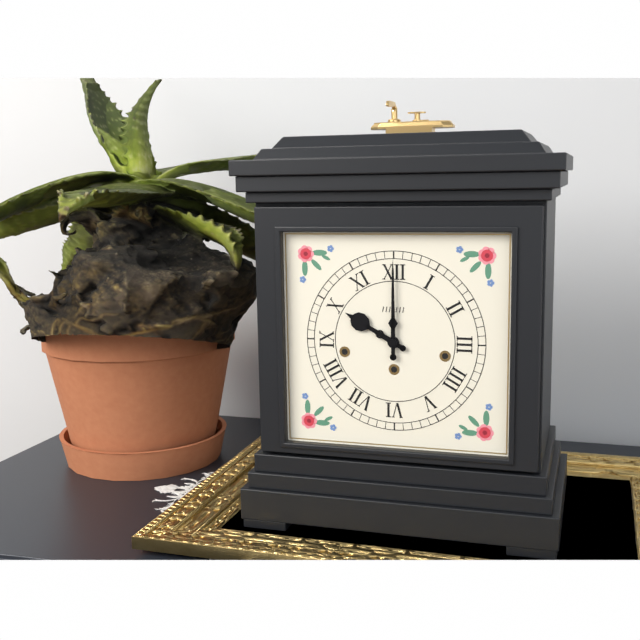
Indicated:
**10:00**
